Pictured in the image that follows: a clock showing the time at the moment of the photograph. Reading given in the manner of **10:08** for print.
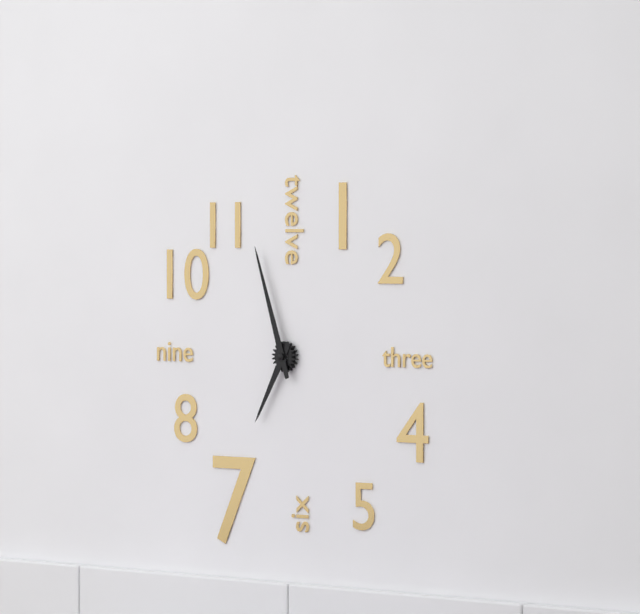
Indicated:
**6:57**
